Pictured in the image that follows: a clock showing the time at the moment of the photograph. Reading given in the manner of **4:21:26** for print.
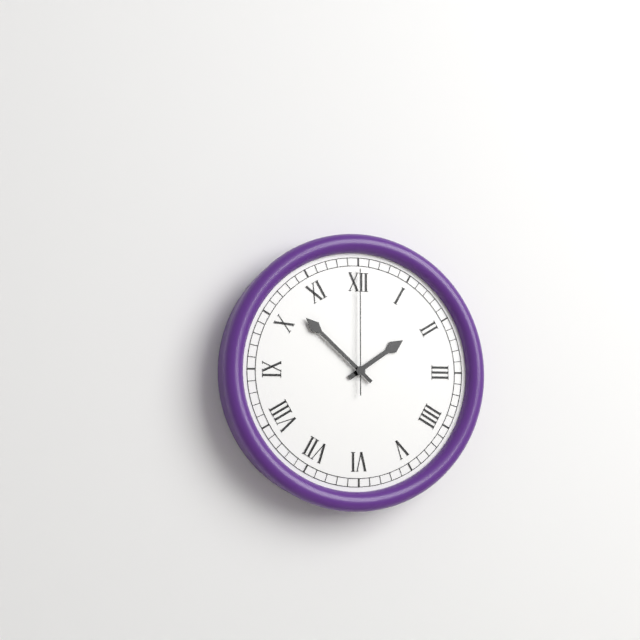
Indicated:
**1:52:00**
